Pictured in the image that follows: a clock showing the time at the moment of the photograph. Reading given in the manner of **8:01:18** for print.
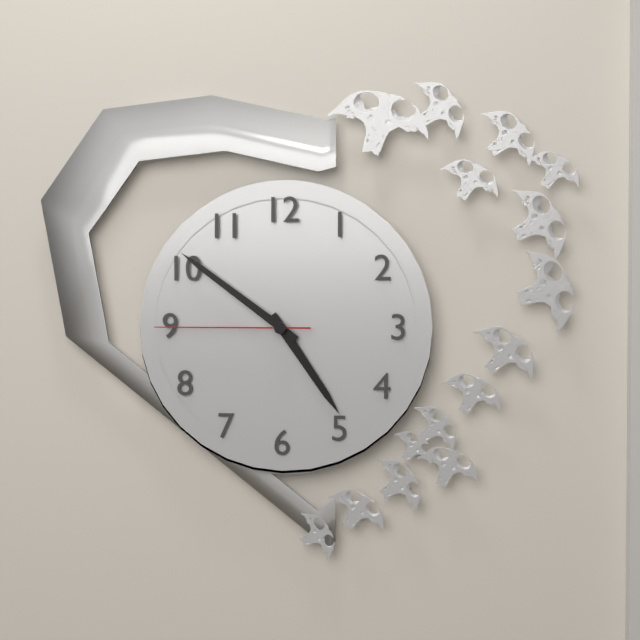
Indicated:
**4:51:45**
